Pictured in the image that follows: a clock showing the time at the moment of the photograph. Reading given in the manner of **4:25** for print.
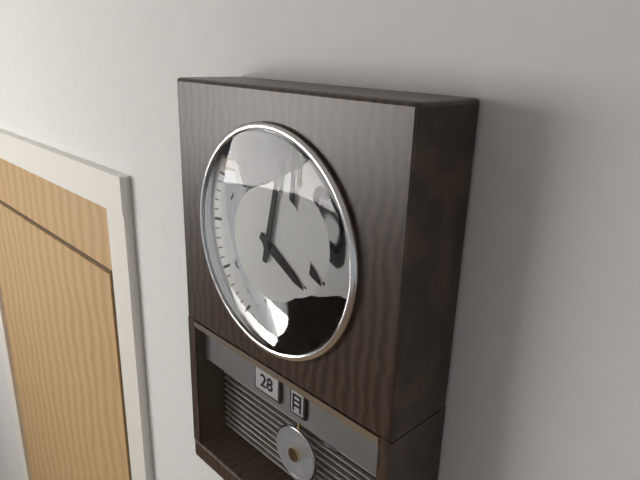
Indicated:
**4:02**
